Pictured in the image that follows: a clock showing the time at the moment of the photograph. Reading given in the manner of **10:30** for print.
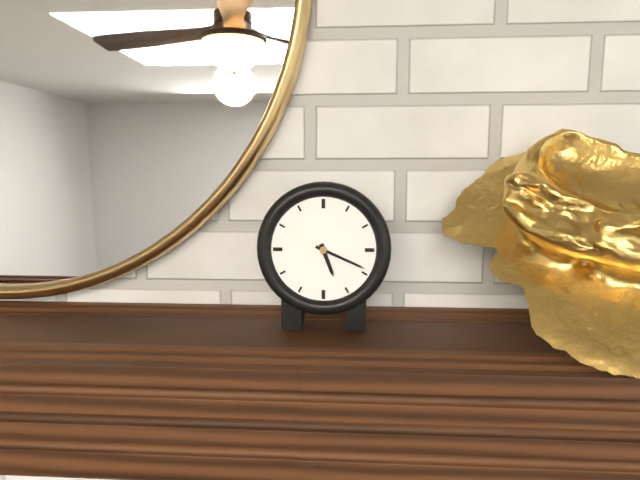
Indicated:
**5:19**
